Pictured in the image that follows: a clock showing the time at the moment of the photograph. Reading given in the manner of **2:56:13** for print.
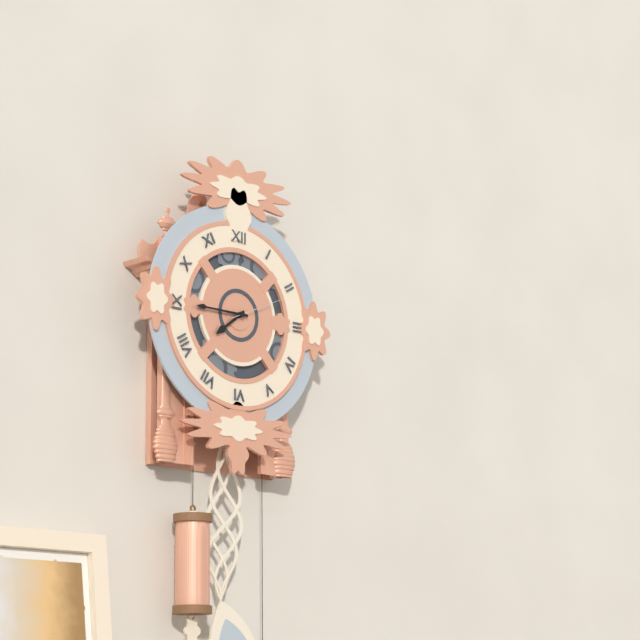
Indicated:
**7:45:11**
